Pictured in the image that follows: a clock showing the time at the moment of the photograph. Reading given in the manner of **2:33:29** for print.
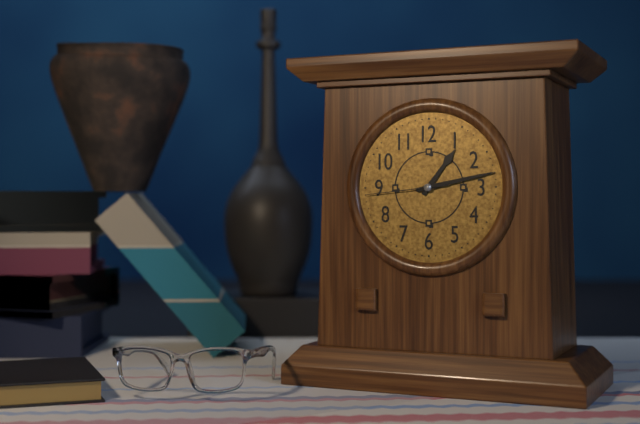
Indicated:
**1:13:44**
